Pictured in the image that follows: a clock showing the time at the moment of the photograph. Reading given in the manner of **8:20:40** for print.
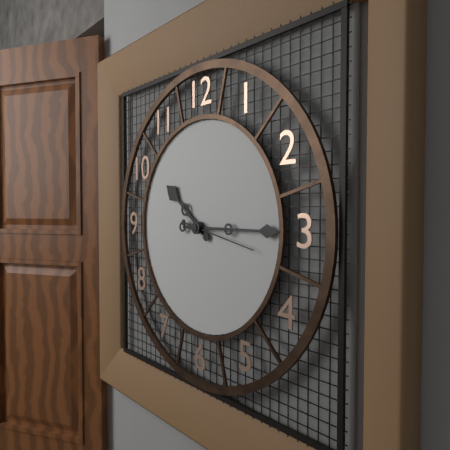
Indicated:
**10:15:17**
